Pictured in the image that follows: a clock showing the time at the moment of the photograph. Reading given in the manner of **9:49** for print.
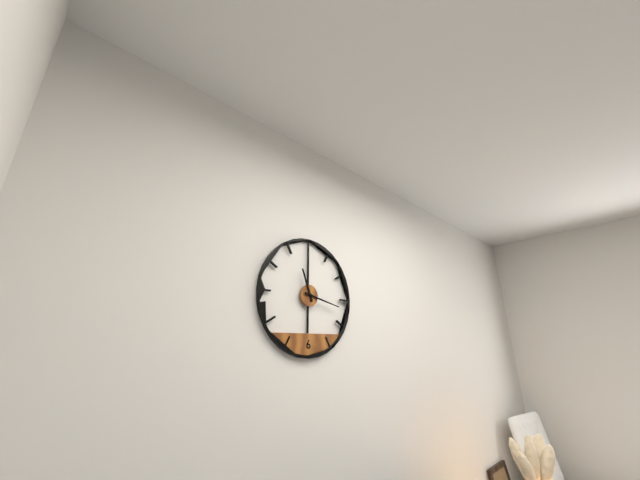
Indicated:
**11:17**
